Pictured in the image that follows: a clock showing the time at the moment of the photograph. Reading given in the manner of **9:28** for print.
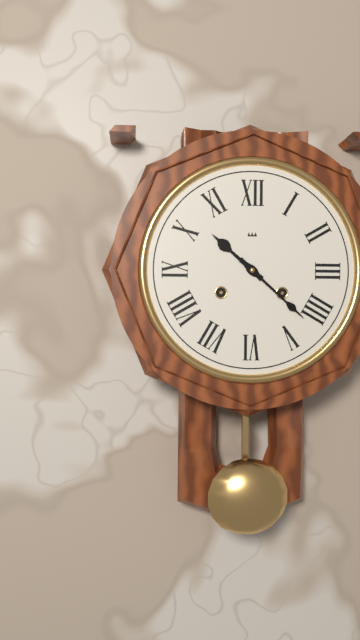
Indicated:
**10:22**
